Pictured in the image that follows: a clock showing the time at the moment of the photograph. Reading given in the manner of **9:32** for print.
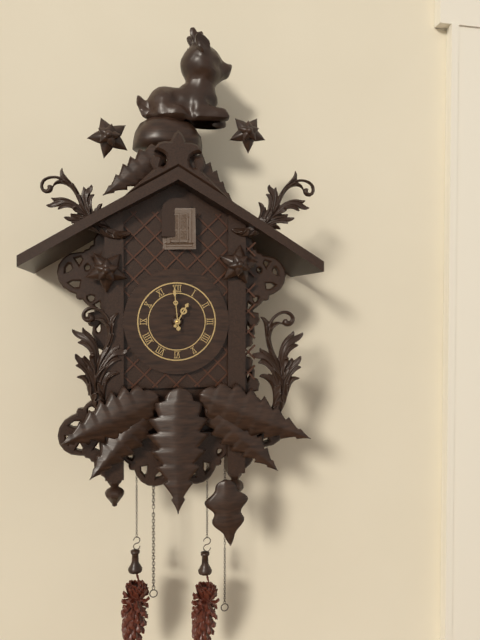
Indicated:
**12:59**
